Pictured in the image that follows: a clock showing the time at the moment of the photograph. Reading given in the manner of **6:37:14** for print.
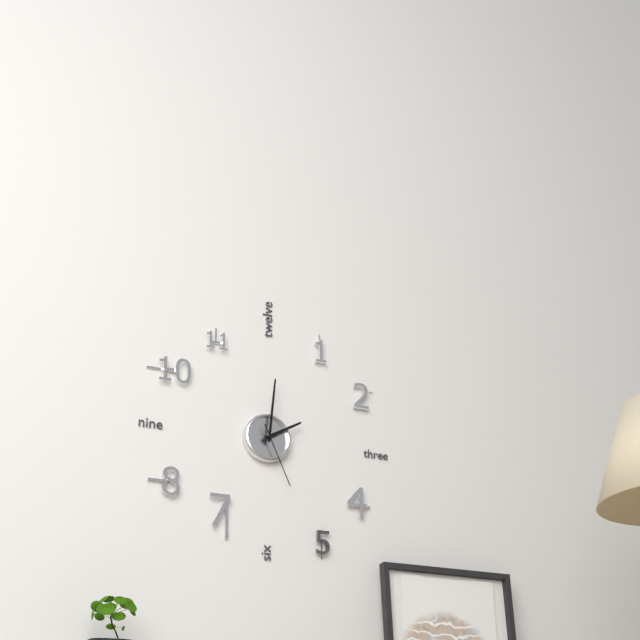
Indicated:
**2:01:26**
